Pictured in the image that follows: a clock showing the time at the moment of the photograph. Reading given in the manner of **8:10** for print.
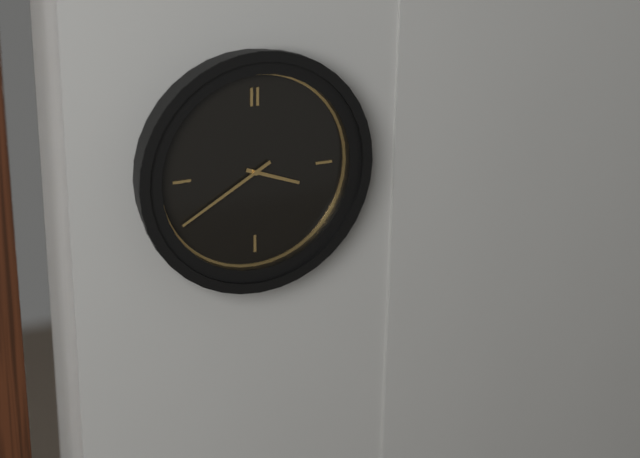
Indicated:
**3:40**
